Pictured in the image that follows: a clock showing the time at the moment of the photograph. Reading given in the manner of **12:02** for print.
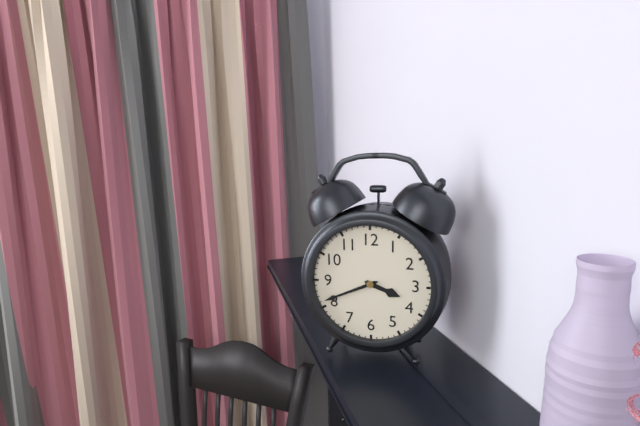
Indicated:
**3:41**
